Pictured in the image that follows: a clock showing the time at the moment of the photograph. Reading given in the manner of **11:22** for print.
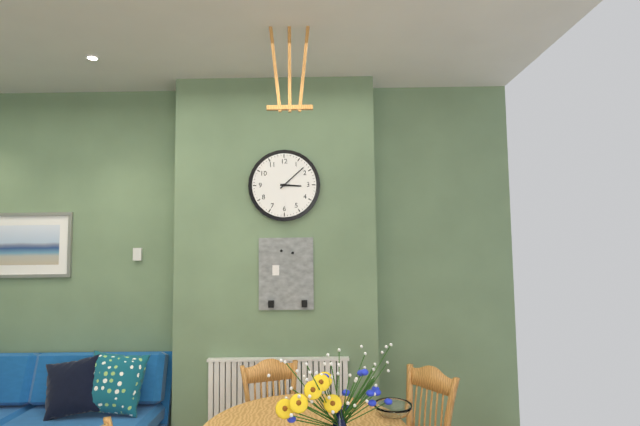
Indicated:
**3:08**
